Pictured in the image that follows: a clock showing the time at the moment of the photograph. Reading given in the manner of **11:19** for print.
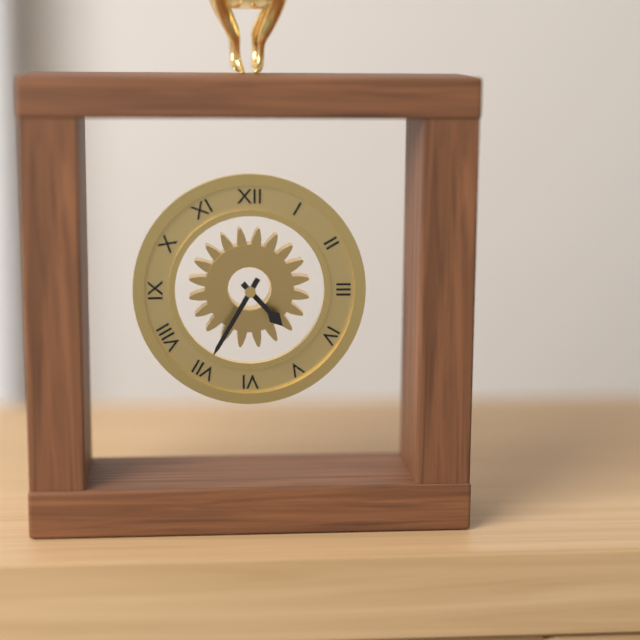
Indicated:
**4:35**
